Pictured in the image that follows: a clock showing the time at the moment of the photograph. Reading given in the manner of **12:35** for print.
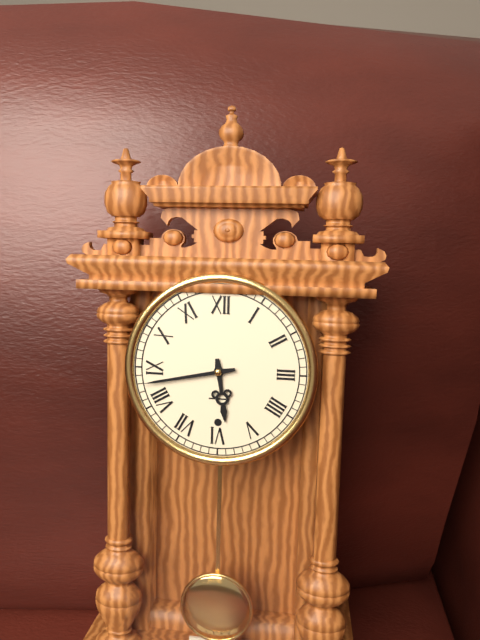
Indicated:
**5:43**
